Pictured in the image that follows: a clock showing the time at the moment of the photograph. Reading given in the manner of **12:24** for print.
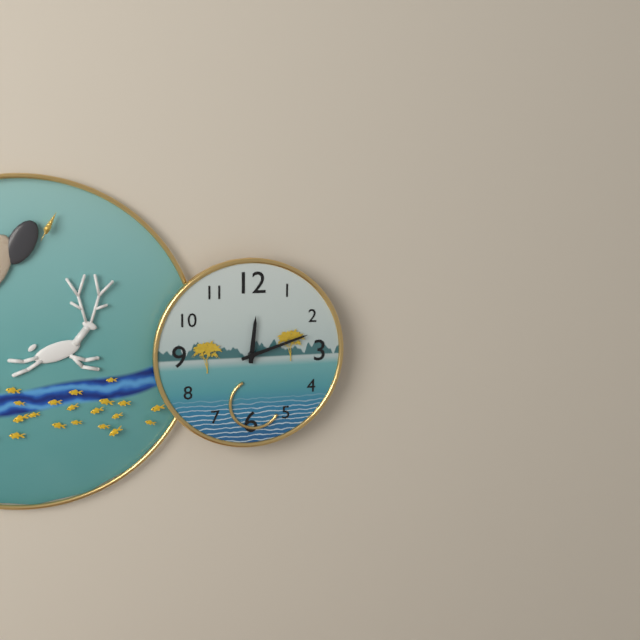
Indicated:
**12:12**
